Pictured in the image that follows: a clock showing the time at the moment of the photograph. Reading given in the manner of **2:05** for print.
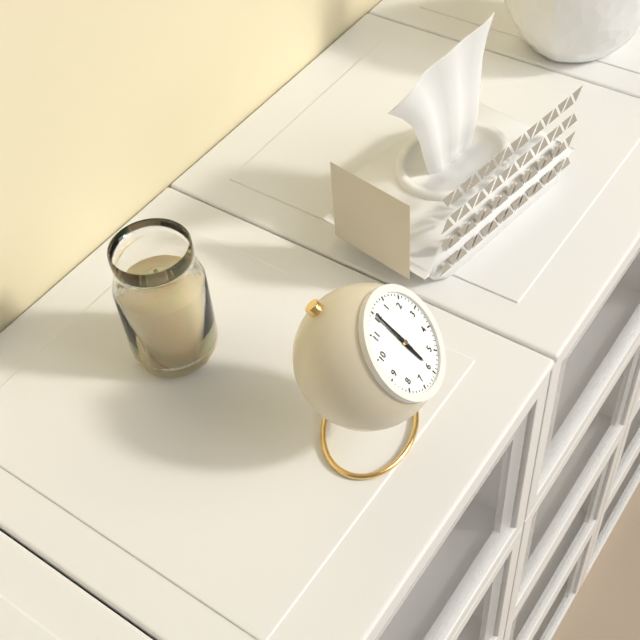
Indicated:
**6:00**
